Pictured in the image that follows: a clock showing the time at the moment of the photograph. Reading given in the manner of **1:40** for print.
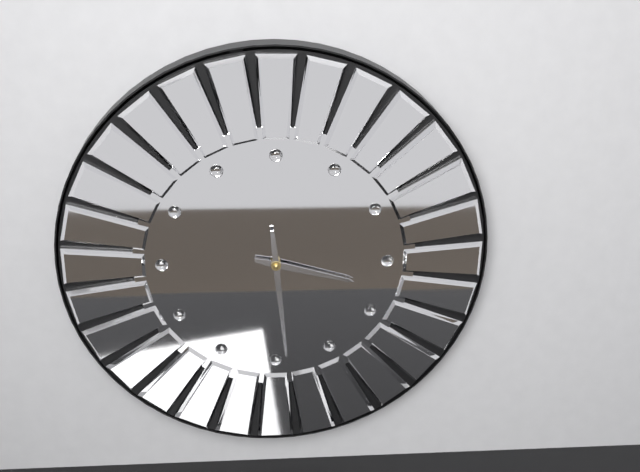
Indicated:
**3:29**
